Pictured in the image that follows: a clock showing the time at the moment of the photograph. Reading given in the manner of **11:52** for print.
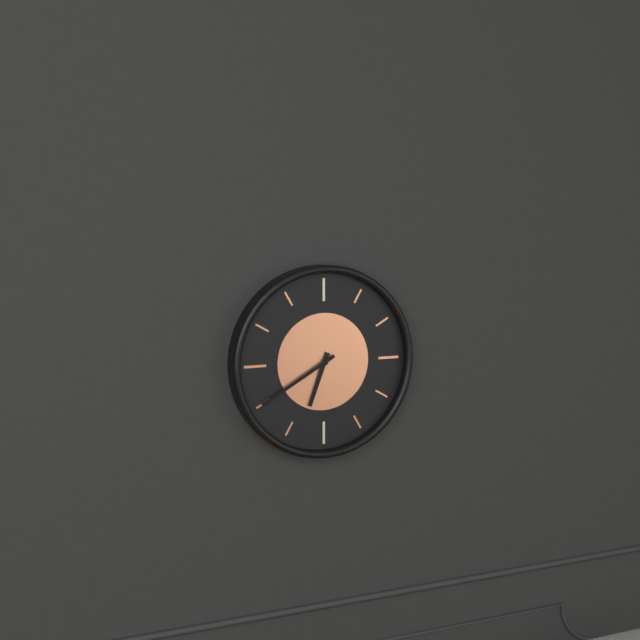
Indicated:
**6:40**
